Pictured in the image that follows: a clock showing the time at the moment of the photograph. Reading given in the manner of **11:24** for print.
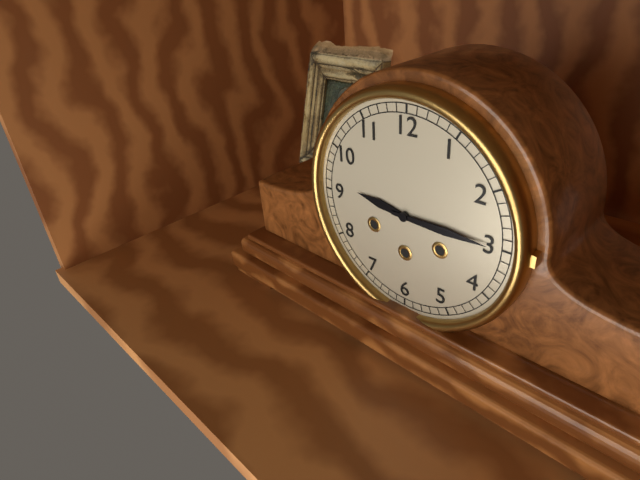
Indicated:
**9:15**
